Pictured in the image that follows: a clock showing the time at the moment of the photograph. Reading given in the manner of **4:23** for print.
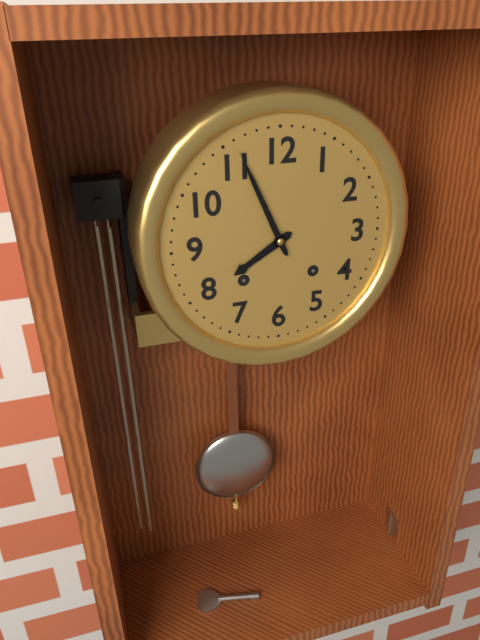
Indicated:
**7:56**
